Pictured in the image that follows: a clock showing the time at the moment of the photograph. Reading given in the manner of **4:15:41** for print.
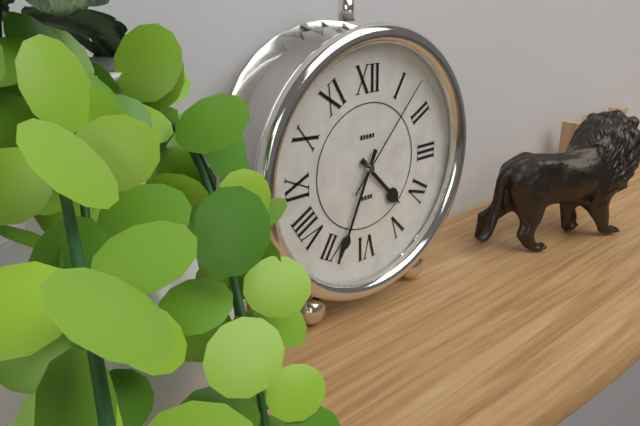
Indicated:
**4:34:07**
